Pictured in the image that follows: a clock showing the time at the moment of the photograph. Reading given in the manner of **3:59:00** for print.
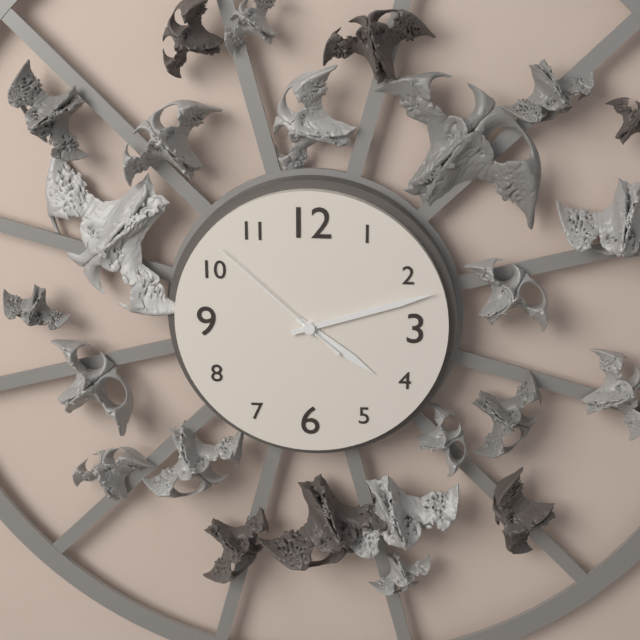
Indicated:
**4:12:52**
